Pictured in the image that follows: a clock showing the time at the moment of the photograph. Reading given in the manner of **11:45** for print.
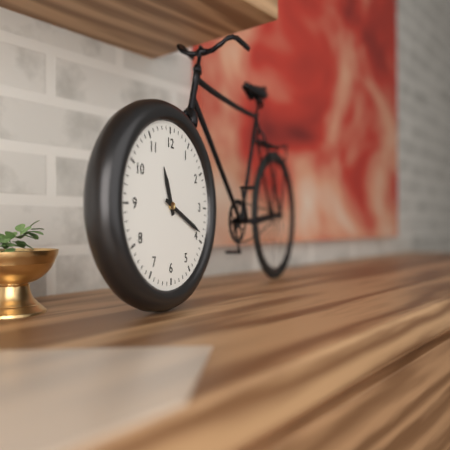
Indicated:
**11:19**
